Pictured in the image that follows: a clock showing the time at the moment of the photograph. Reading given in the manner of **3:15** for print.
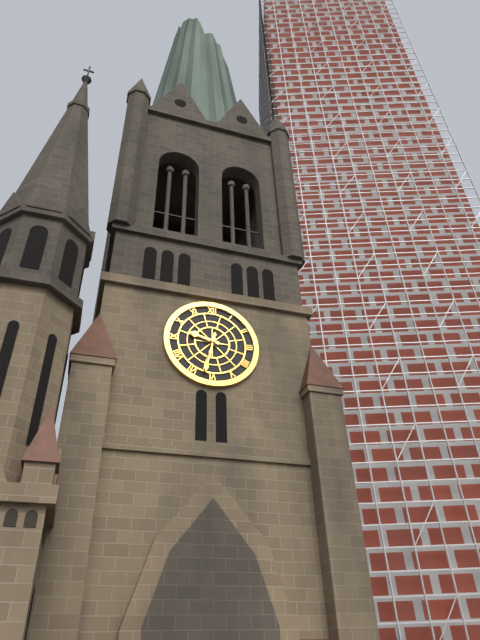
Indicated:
**9:32**
